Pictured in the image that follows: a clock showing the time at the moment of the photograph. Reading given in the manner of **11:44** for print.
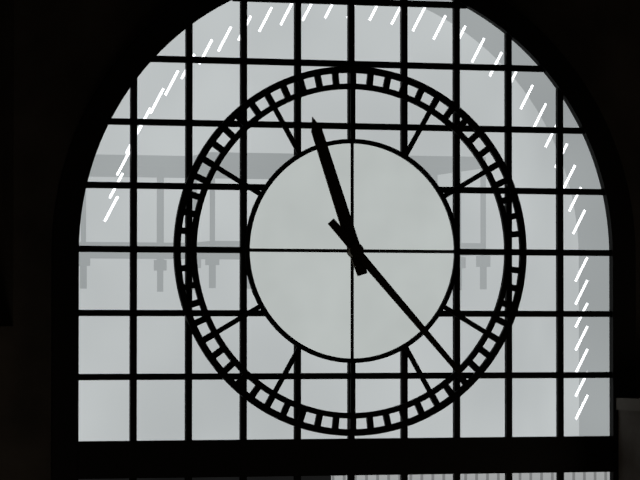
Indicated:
**11:23**
